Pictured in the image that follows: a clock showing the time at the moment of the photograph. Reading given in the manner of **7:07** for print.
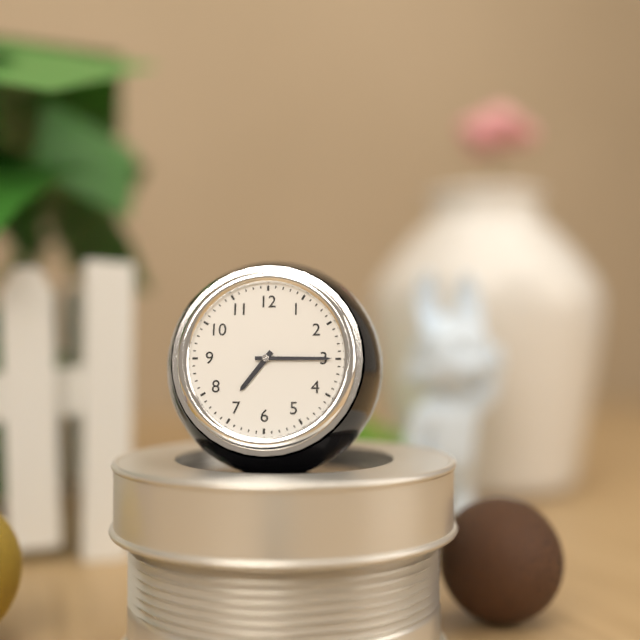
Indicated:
**7:15**
